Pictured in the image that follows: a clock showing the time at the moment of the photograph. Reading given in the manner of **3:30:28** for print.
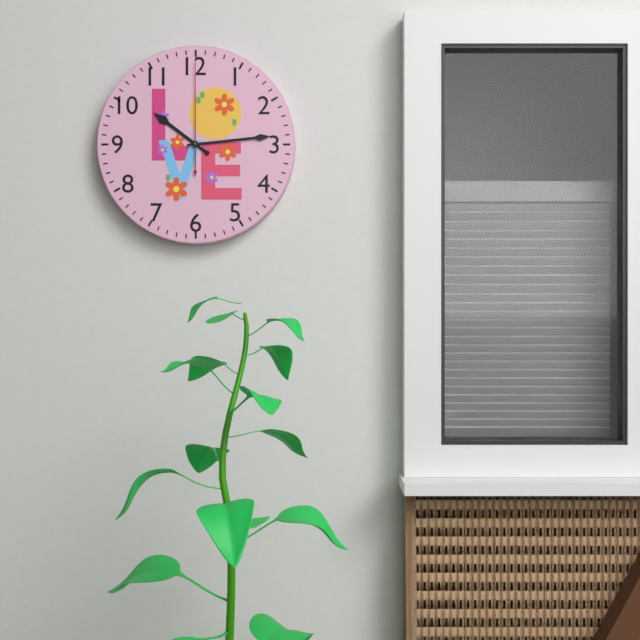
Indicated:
**10:14:00**
